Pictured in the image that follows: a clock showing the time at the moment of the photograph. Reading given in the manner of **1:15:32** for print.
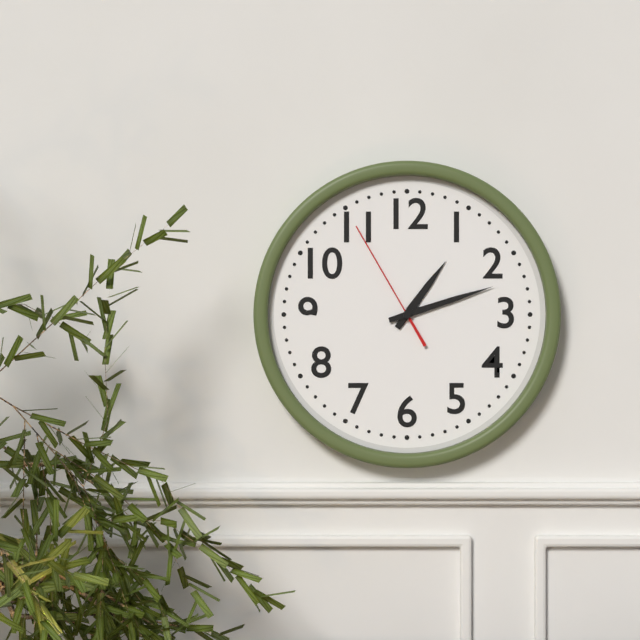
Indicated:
**1:12:55**
